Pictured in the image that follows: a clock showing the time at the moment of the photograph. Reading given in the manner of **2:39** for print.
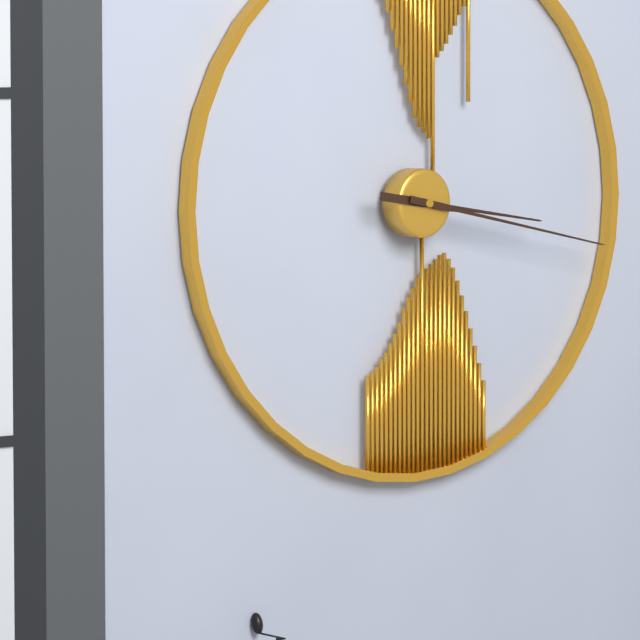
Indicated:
**3:17**
